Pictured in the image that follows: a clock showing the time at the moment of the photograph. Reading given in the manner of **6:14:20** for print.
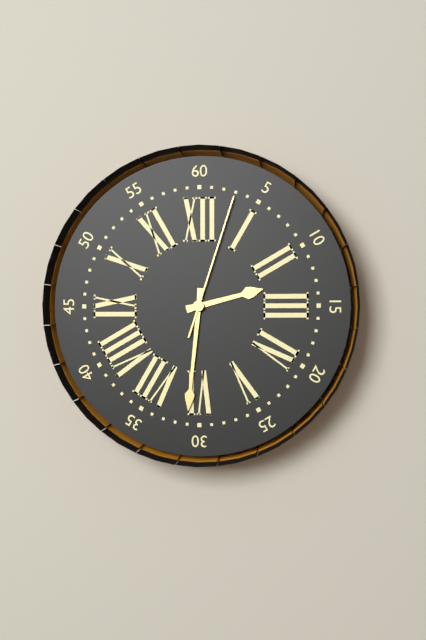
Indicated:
**2:31:03**
